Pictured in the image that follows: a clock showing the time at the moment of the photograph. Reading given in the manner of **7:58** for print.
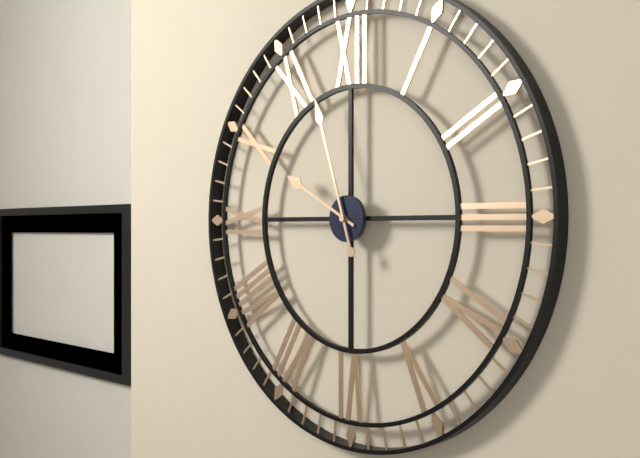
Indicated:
**9:57**
